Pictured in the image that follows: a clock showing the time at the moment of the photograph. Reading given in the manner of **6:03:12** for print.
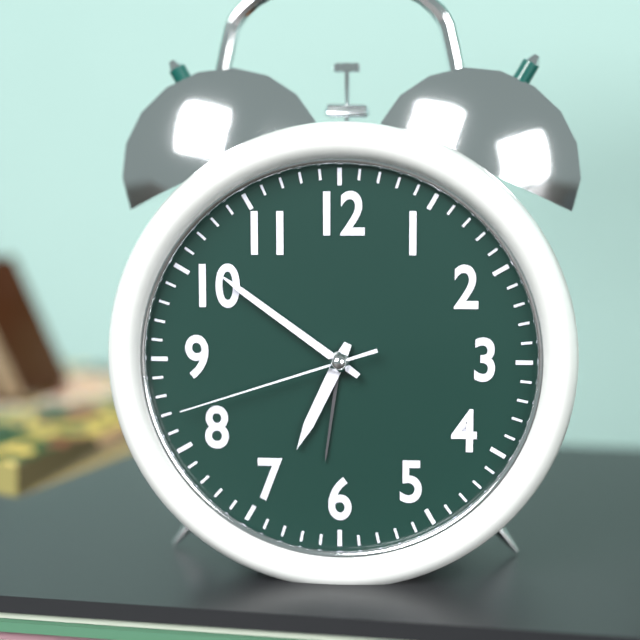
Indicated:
**6:51:42**
